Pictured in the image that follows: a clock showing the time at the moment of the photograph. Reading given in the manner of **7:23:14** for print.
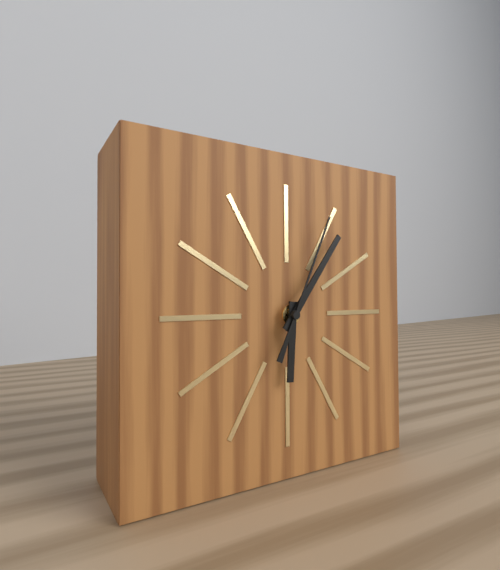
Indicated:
**6:06:04**
